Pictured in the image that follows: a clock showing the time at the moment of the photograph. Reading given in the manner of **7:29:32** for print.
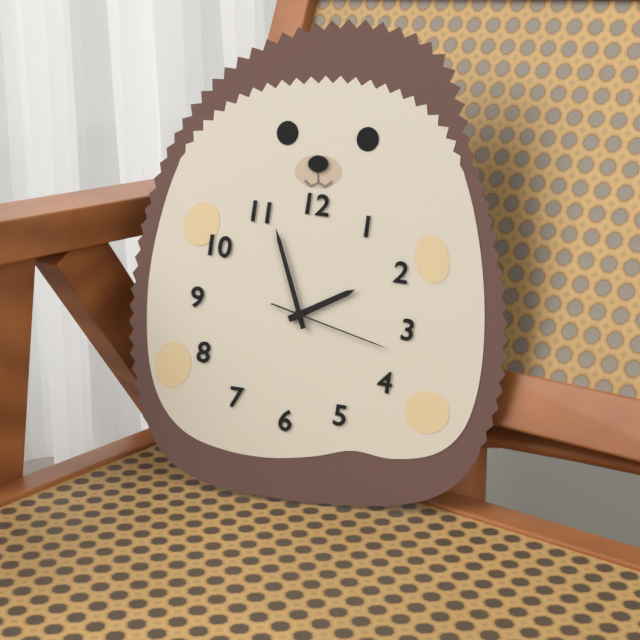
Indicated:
**1:56:17**
